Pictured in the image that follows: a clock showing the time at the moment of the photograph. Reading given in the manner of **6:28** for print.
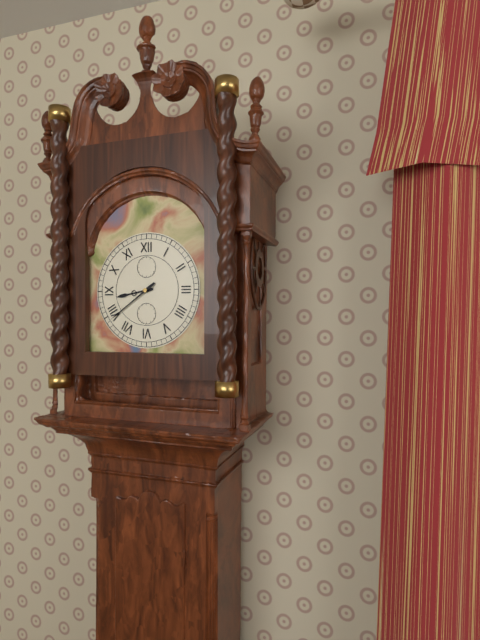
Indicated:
**8:39**
